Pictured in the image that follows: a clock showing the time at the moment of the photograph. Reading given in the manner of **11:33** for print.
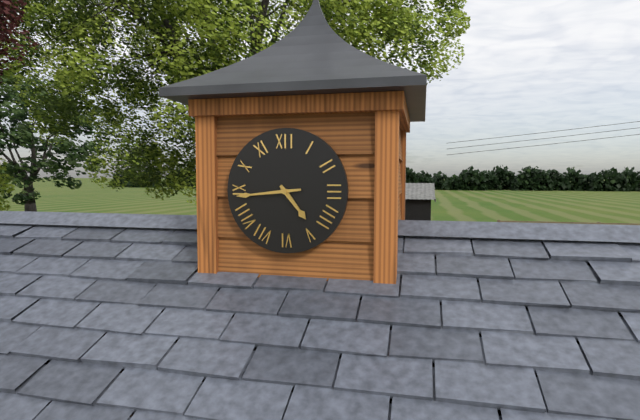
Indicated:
**4:44**
